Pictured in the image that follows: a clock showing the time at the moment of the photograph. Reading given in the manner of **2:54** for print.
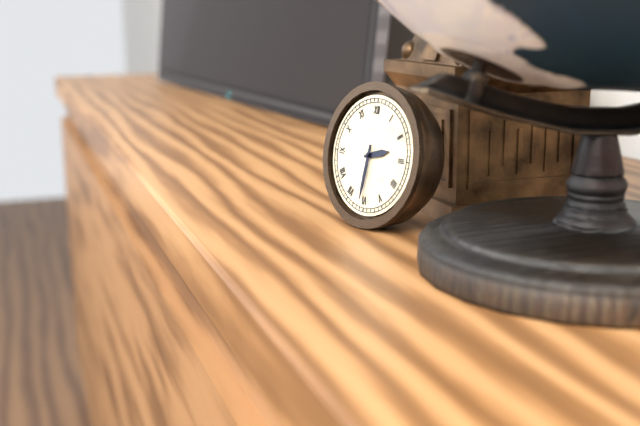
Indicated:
**2:31**
